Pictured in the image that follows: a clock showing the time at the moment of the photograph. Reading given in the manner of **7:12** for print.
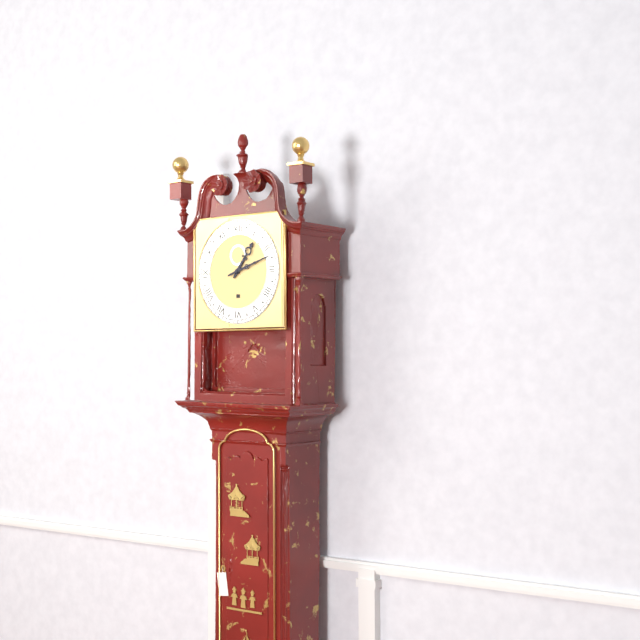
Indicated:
**1:12**
